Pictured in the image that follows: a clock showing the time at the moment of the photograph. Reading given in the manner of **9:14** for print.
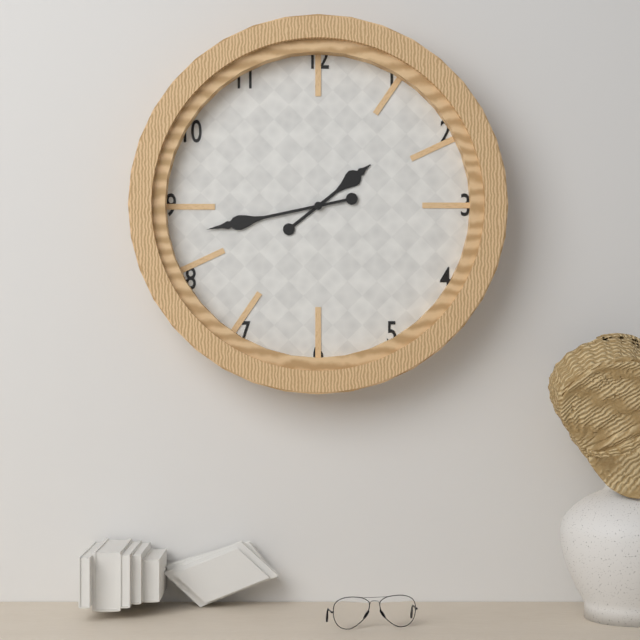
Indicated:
**1:43**
